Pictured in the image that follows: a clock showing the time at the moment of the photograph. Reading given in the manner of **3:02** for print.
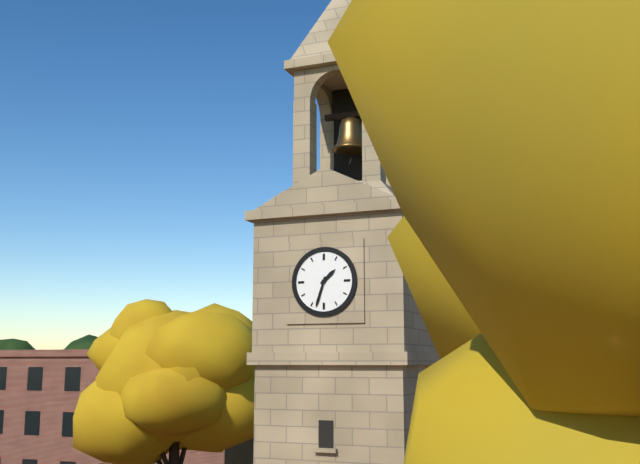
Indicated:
**1:33**
